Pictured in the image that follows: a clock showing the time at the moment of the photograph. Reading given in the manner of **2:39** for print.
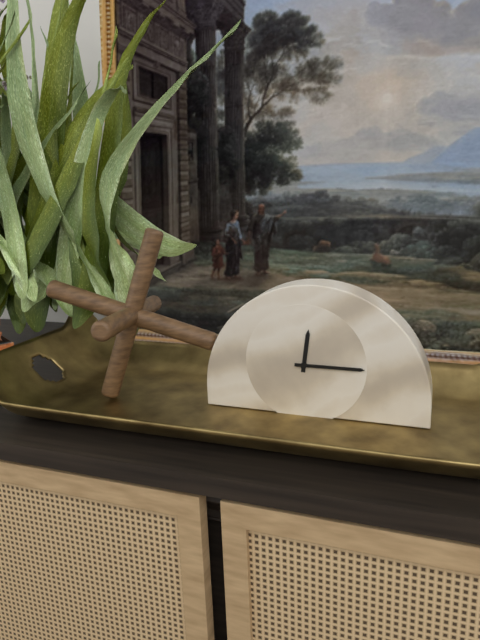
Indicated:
**12:15**
